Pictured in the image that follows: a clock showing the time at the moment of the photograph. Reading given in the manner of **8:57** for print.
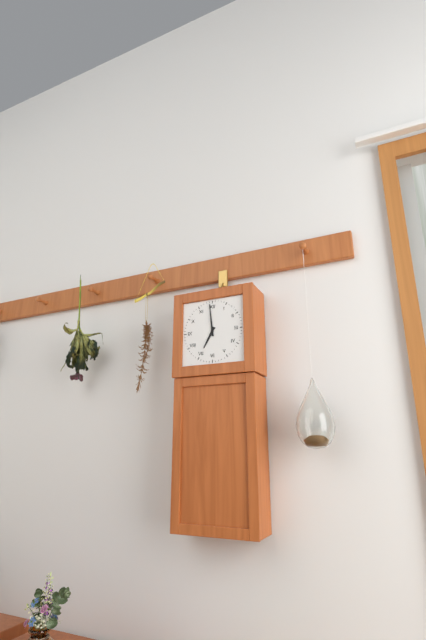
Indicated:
**6:59**
